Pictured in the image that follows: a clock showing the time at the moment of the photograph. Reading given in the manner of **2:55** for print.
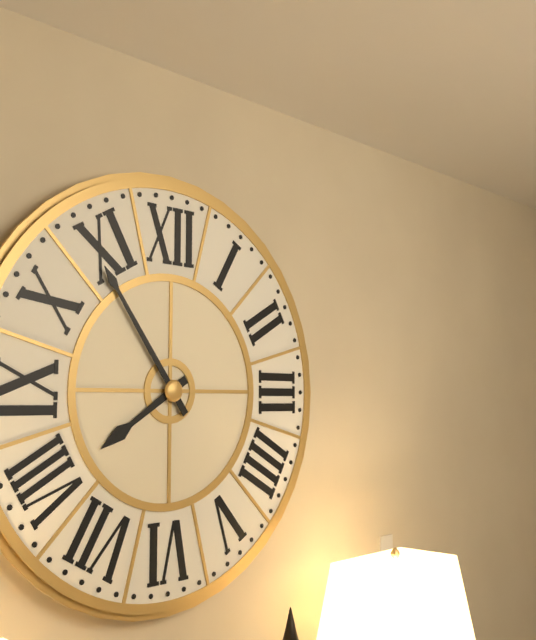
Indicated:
**7:54**
